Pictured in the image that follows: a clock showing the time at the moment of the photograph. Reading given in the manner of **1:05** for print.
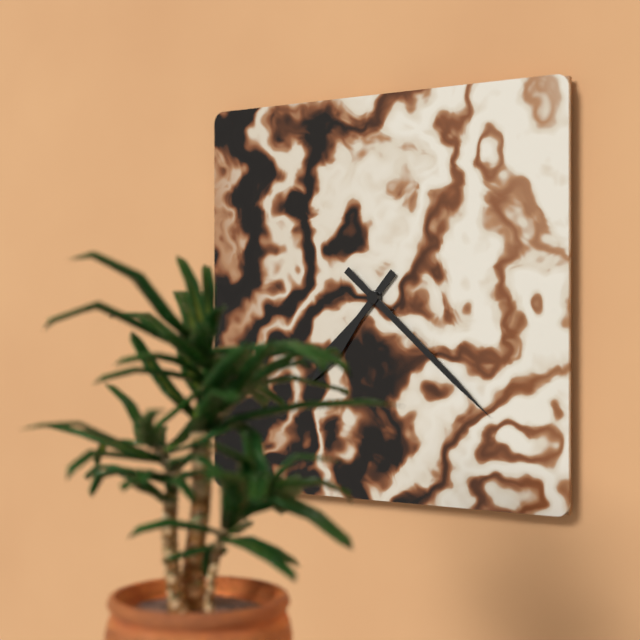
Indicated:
**7:22**
